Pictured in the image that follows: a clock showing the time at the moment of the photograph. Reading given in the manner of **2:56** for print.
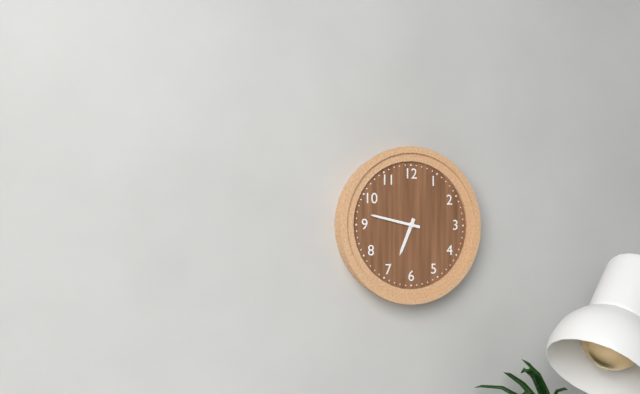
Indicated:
**6:47**
